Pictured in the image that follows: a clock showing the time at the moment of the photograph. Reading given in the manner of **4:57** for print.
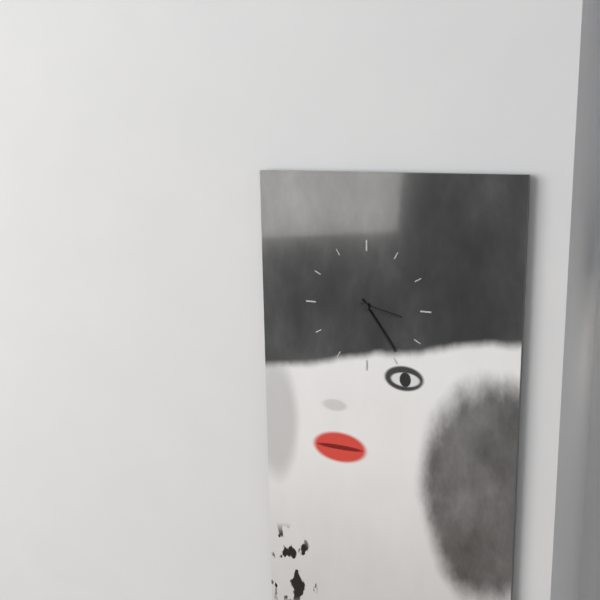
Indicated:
**3:24**
